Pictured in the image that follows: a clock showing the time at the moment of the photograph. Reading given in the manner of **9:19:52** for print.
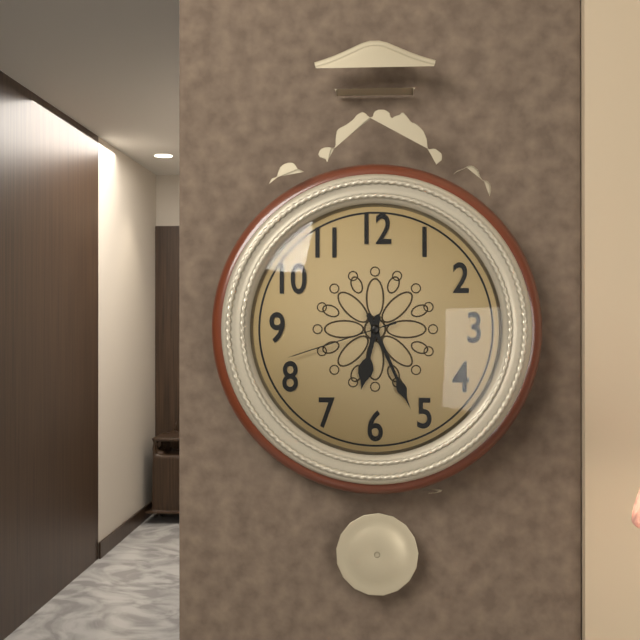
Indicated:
**6:26:42**
